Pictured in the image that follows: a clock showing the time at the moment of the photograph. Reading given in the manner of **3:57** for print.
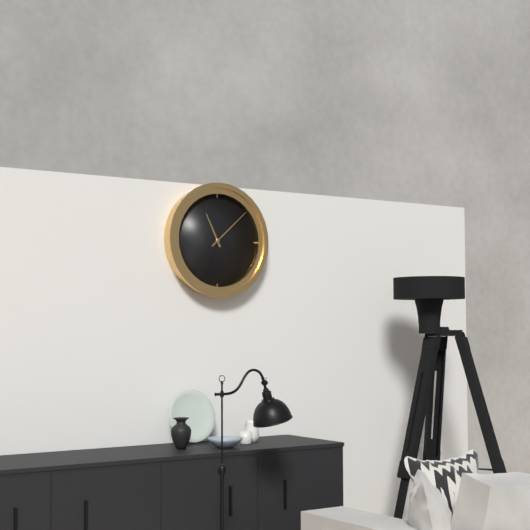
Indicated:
**11:08**
